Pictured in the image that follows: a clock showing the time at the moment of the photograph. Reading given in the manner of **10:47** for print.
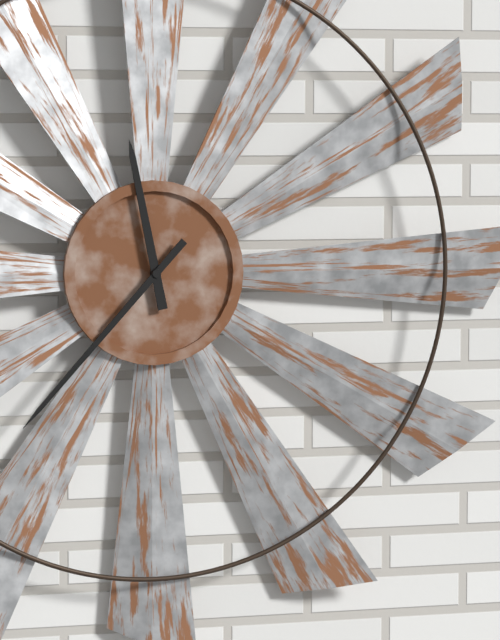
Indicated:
**11:37**
